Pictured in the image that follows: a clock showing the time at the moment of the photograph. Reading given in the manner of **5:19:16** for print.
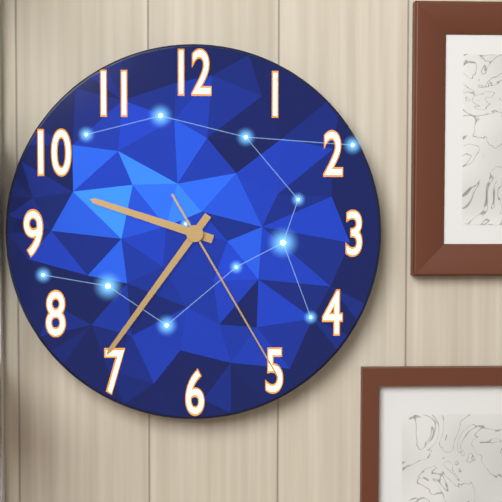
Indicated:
**9:36:25**
